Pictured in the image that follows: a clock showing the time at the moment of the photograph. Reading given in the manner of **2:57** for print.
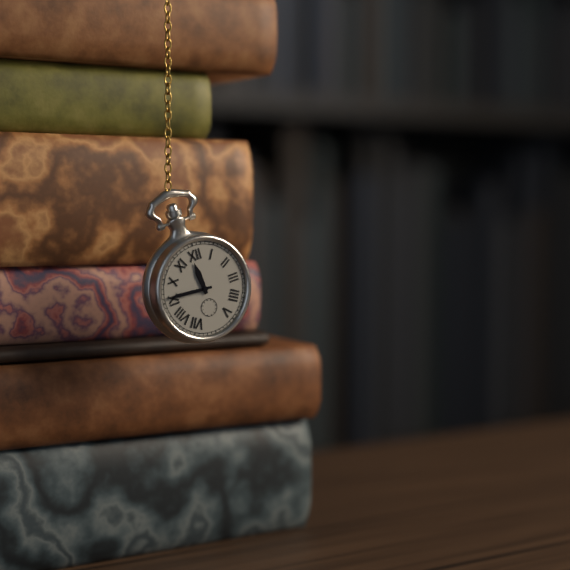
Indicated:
**11:46**
